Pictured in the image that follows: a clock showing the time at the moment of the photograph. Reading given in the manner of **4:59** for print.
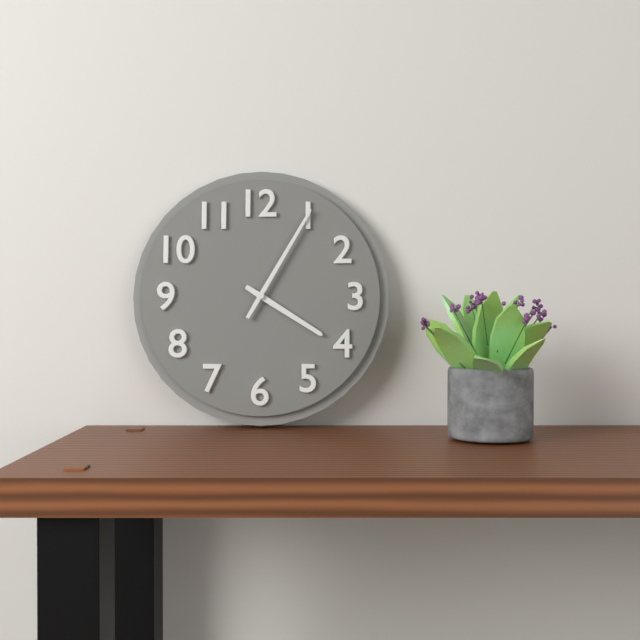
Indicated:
**4:05**
